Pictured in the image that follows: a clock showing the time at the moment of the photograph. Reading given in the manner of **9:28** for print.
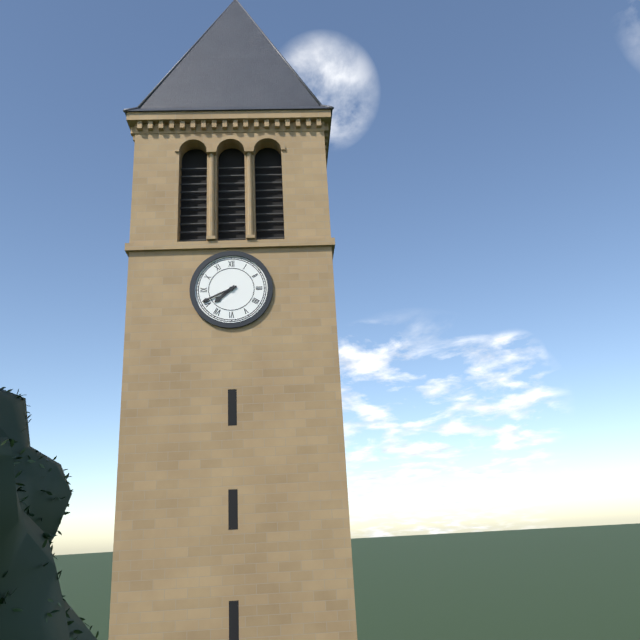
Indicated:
**7:41**
